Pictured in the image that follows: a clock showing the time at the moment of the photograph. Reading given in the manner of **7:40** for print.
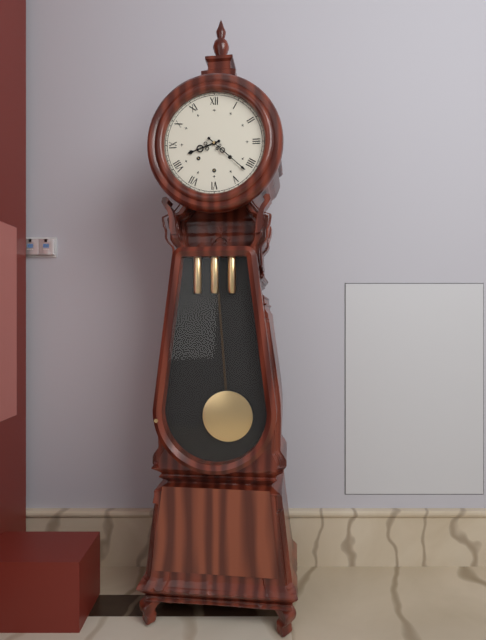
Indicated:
**8:22**
